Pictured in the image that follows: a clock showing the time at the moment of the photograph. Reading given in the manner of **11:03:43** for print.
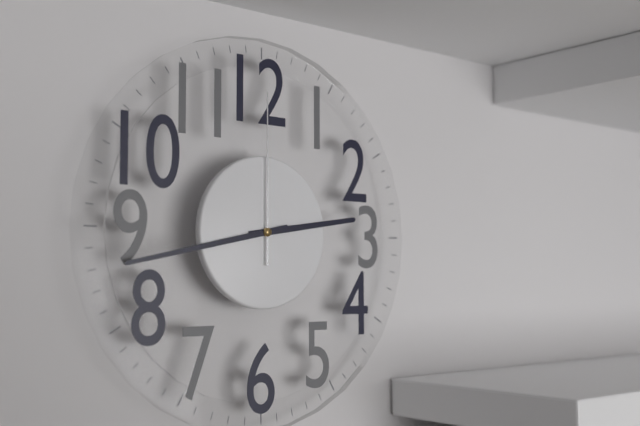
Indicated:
**2:43:00**
